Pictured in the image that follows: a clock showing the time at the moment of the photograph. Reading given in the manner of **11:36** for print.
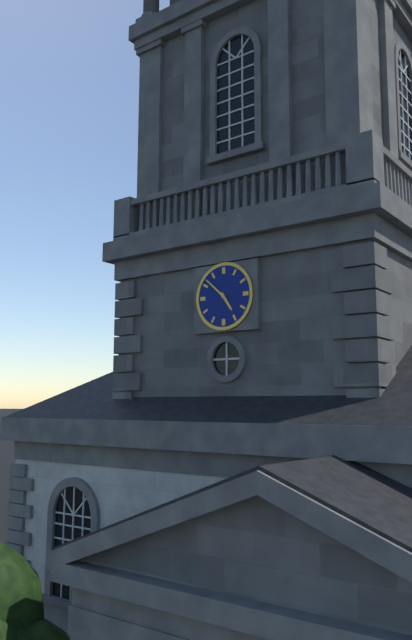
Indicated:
**4:52**
